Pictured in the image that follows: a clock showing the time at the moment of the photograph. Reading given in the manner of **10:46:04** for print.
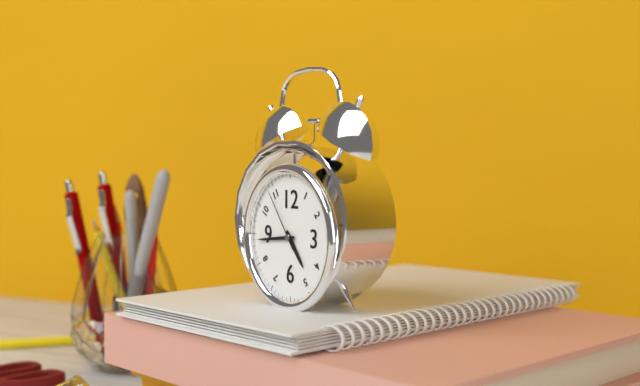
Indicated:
**4:44:54**
